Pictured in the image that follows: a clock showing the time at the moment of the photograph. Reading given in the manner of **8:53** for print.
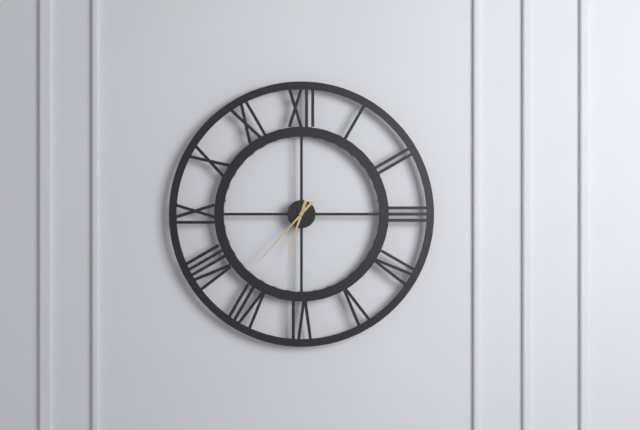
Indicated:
**6:37**
